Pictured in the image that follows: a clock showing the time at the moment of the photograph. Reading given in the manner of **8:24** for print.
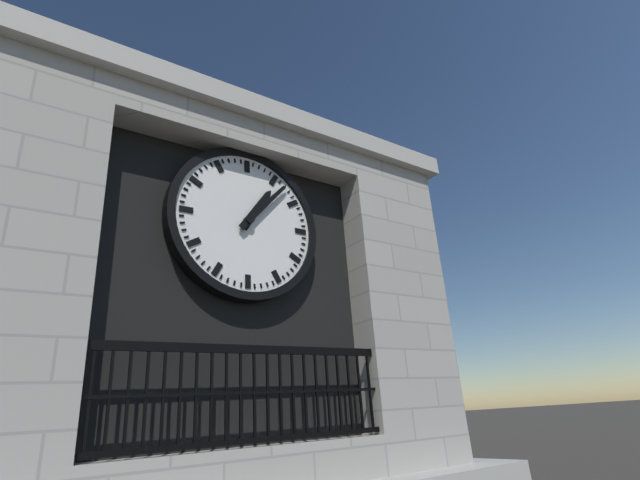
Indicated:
**1:07**
